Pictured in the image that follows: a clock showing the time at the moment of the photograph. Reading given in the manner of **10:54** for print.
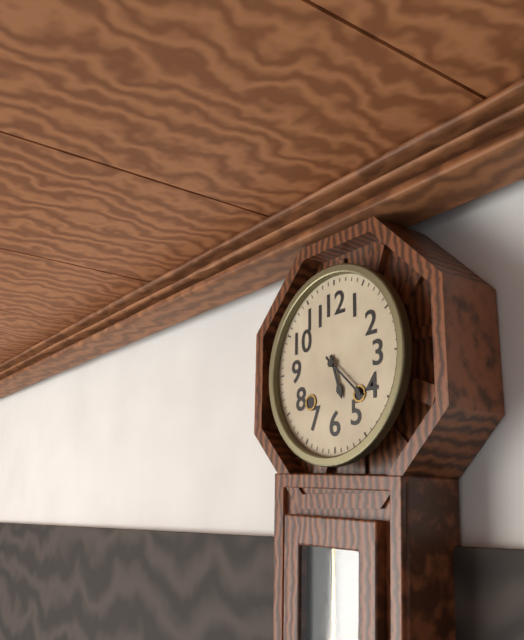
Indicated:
**5:22**
